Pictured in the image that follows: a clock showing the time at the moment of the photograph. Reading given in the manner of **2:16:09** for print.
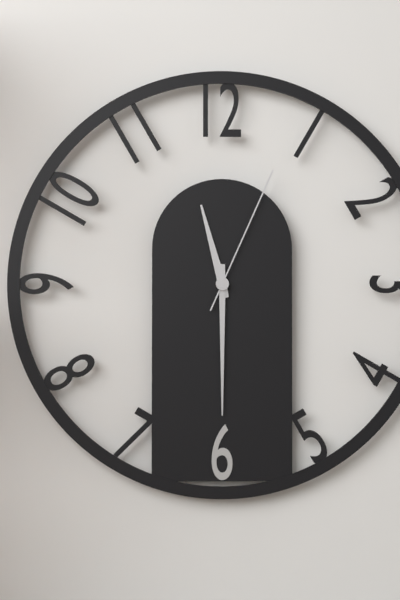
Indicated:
**11:30:04**
